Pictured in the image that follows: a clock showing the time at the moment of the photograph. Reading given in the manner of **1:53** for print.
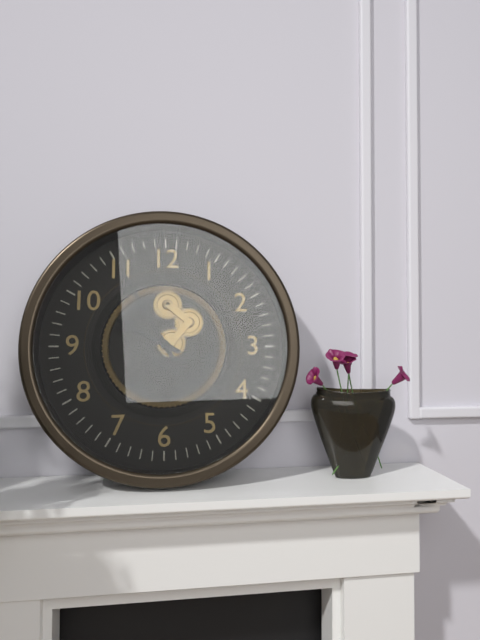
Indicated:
**9:55**
